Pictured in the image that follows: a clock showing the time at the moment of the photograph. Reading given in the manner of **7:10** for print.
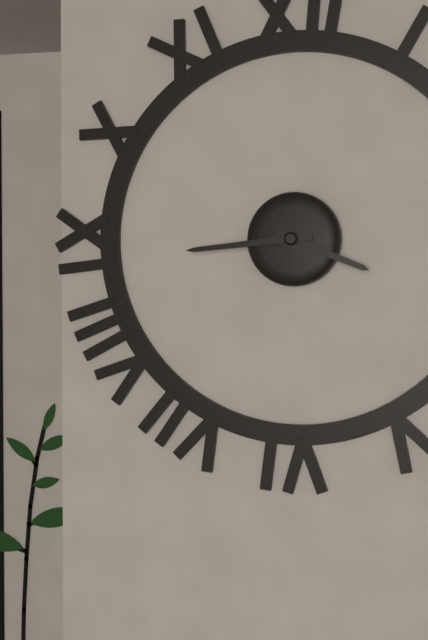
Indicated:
**3:44**
